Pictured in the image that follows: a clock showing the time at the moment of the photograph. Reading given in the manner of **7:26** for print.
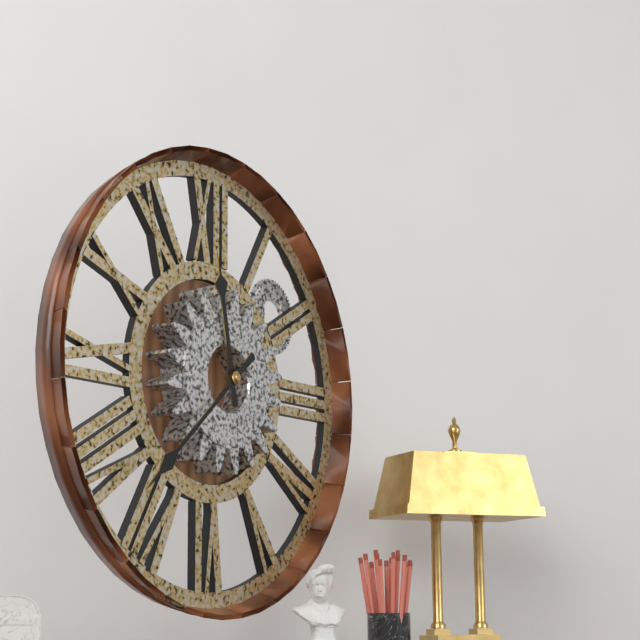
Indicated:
**11:38**
